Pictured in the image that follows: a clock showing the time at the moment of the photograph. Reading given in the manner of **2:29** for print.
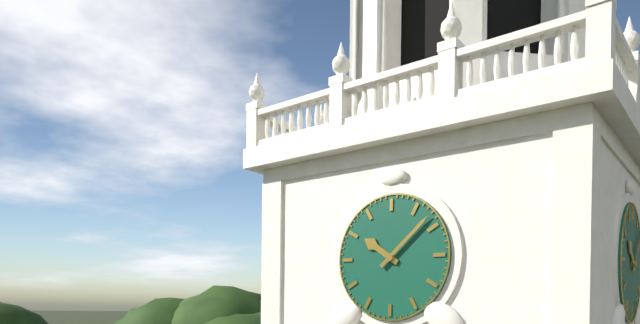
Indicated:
**10:08**
